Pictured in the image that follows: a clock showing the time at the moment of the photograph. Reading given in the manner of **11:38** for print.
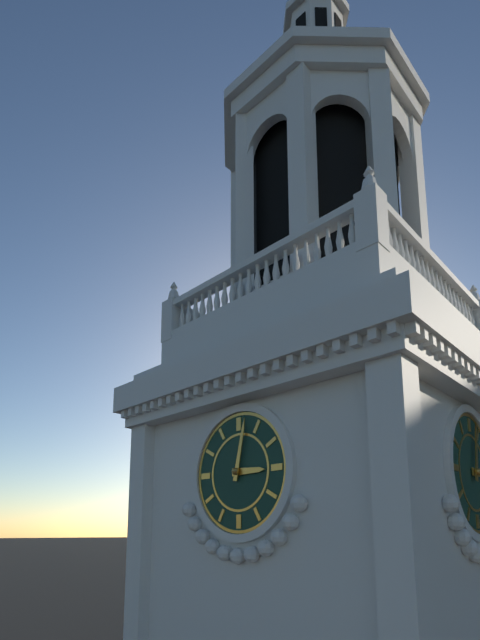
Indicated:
**3:02**
